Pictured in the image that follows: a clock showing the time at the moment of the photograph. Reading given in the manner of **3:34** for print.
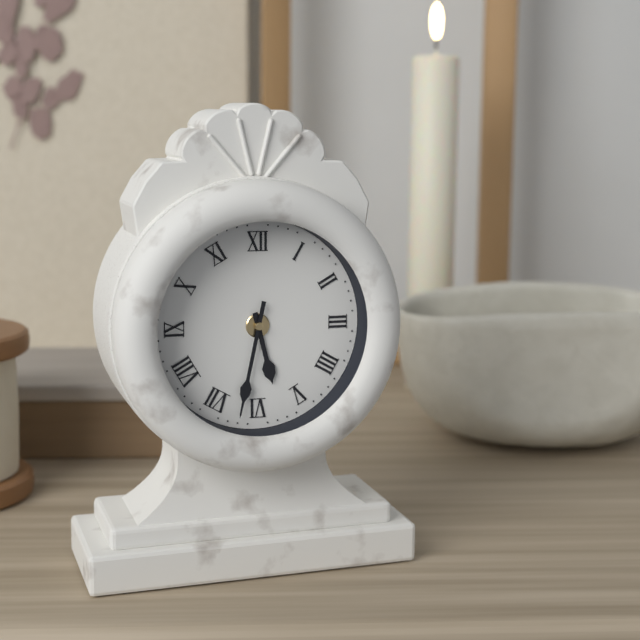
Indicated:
**5:32**
